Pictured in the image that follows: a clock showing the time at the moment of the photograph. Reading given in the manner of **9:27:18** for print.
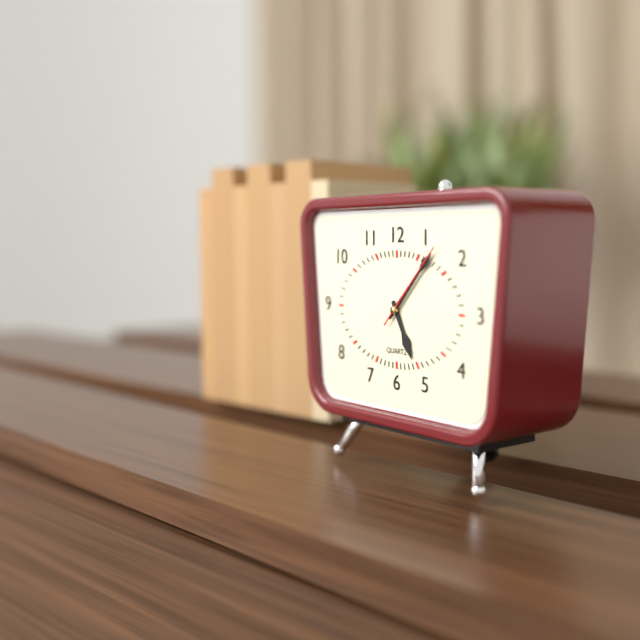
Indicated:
**5:07:07**
